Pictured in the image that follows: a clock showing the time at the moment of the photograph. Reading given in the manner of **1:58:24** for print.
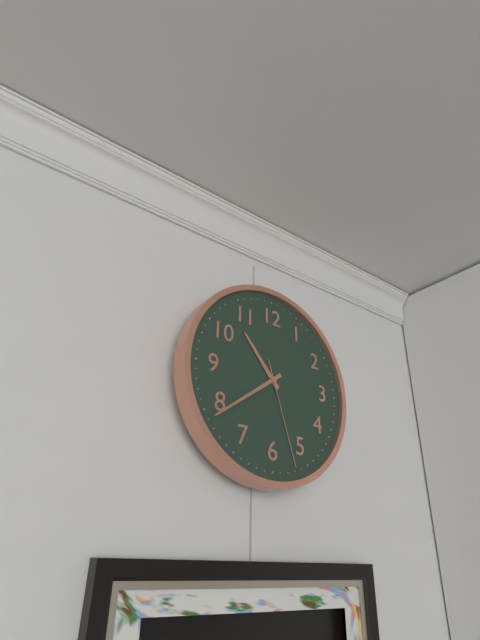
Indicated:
**10:39:27**
